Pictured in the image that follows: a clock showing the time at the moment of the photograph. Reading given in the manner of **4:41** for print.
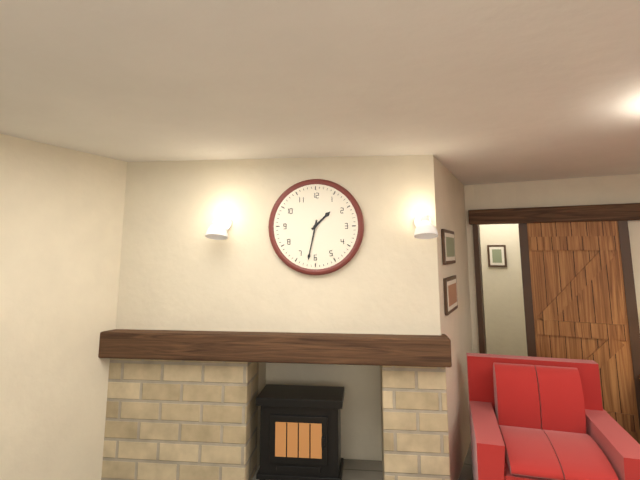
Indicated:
**1:32**
